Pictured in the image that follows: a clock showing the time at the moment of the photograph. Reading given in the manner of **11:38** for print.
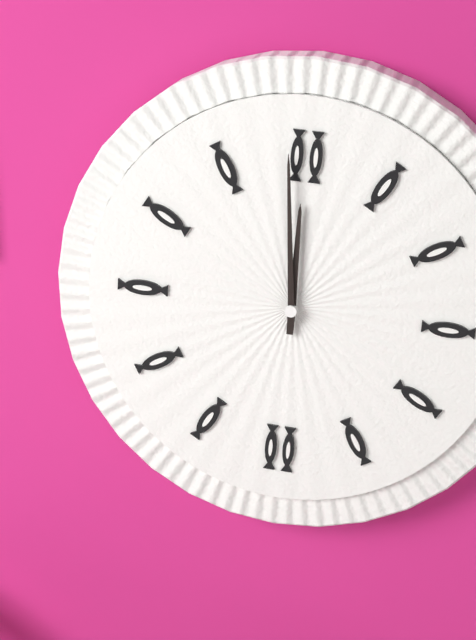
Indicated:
**11:59**
